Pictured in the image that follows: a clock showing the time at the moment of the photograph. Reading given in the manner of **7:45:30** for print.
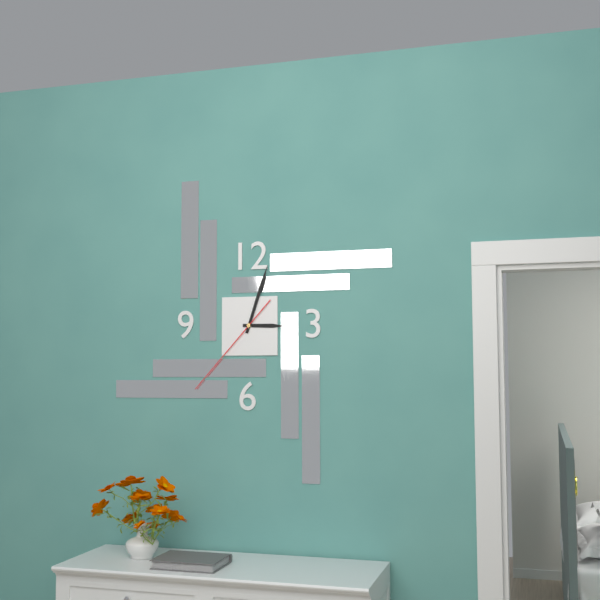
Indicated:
**3:03:37**
